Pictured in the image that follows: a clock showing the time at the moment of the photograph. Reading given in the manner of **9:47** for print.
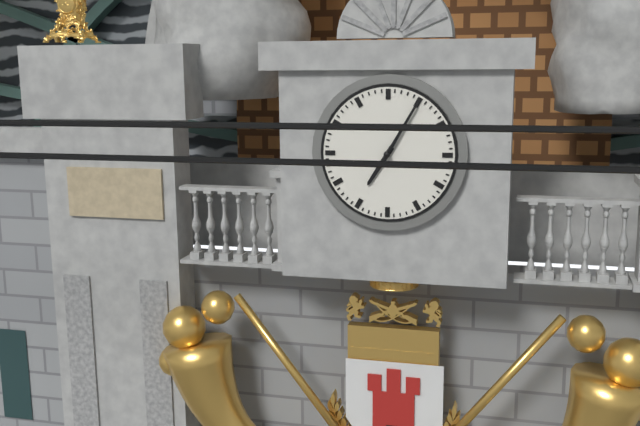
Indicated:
**7:05**
